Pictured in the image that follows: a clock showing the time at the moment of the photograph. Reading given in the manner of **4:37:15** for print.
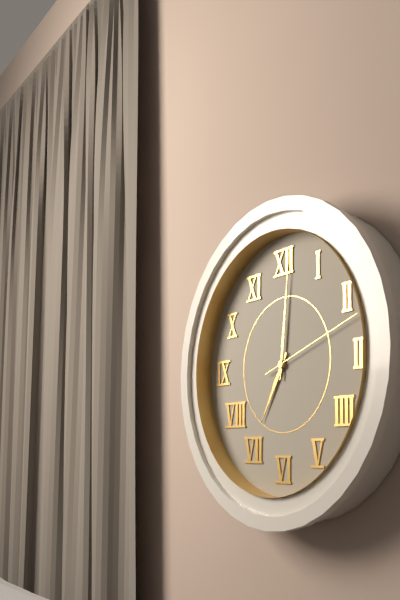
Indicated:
**7:01:12**
